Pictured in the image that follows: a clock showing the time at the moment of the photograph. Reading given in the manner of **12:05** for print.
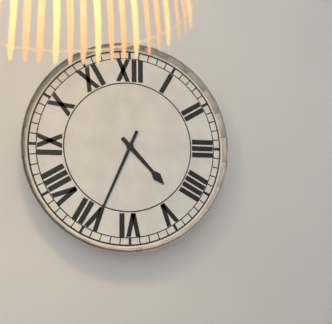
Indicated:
**4:34**
